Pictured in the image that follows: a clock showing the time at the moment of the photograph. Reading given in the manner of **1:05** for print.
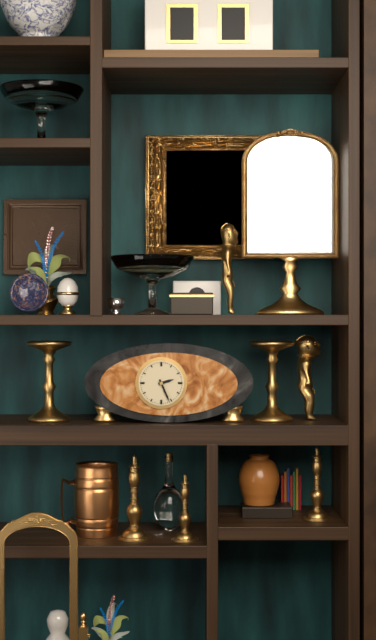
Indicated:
**2:26**
